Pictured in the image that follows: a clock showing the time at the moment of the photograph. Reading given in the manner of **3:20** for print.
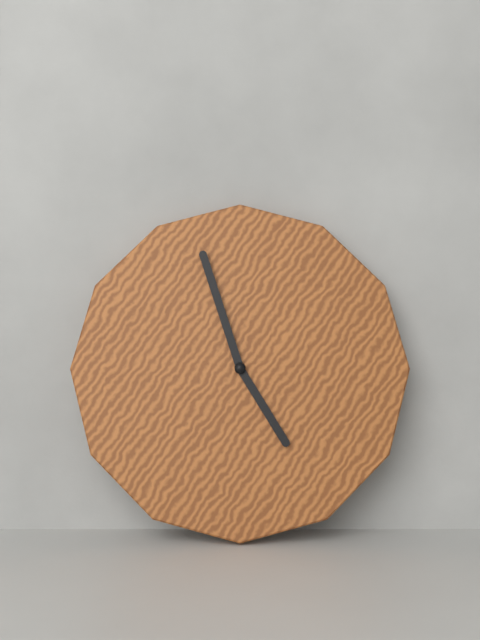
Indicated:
**4:57**
